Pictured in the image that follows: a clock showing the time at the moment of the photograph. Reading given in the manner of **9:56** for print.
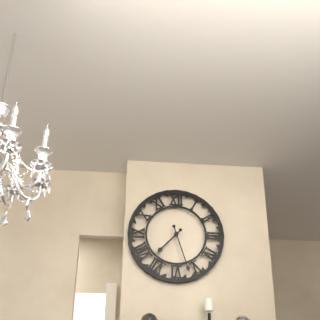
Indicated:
**7:27**
